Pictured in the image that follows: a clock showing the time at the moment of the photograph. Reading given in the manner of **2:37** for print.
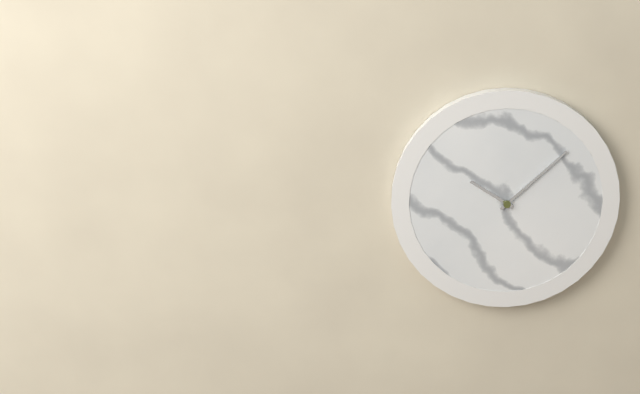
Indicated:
**10:08**
